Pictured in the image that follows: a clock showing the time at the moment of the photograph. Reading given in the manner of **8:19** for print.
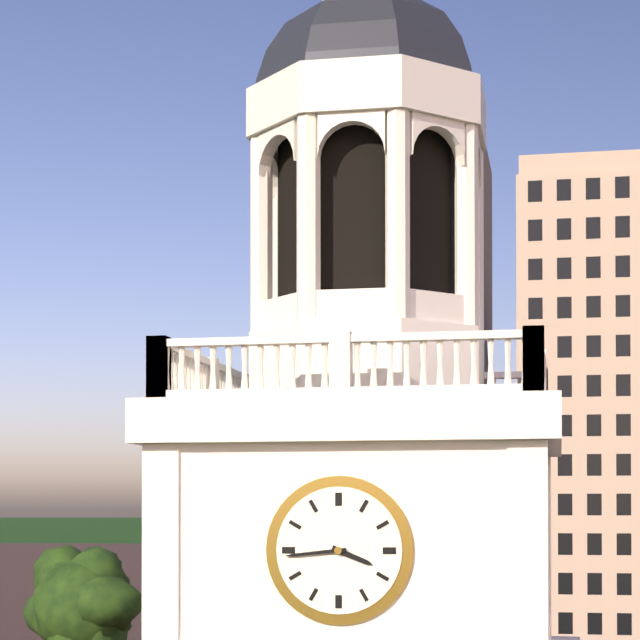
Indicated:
**3:44**
